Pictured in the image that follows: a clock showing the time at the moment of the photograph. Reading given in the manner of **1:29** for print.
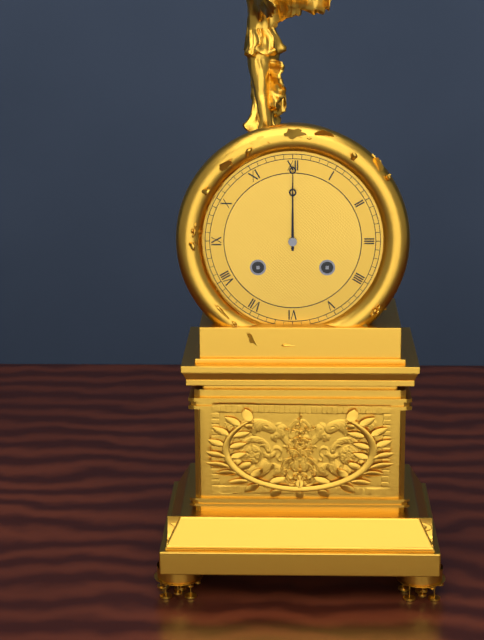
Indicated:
**12:00**
